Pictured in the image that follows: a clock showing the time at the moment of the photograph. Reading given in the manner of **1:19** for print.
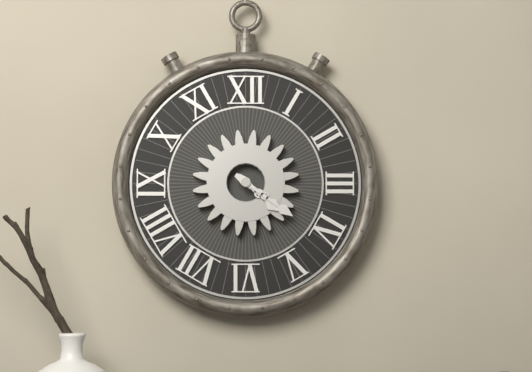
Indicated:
**4:21**
